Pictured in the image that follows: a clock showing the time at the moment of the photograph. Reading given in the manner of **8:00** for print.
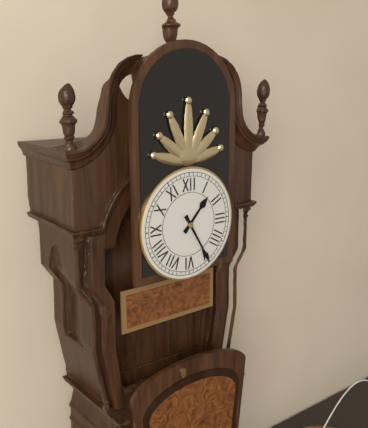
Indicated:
**1:25**
